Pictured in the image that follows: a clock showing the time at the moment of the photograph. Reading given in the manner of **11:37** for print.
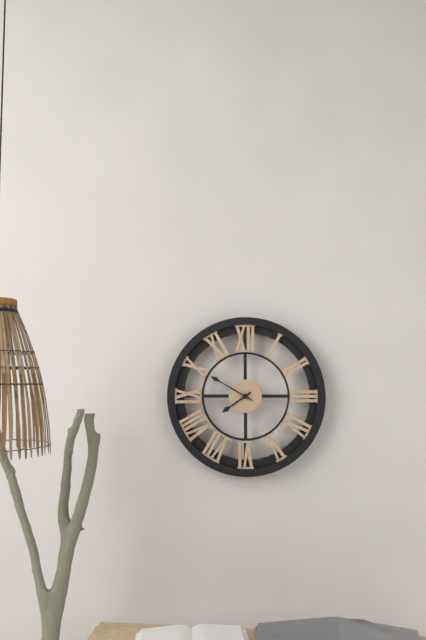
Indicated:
**7:50**
